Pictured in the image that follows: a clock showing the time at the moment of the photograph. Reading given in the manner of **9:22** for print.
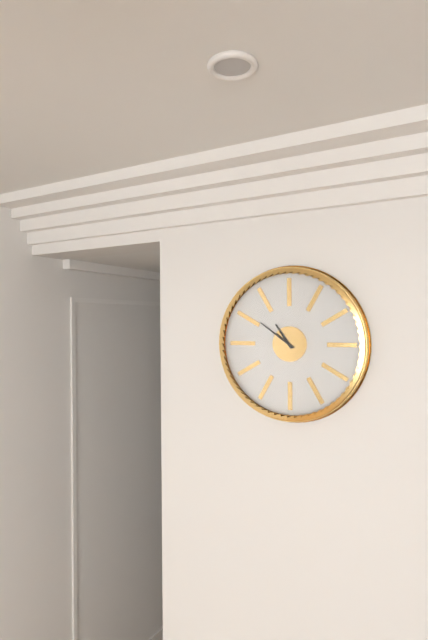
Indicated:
**10:51**
